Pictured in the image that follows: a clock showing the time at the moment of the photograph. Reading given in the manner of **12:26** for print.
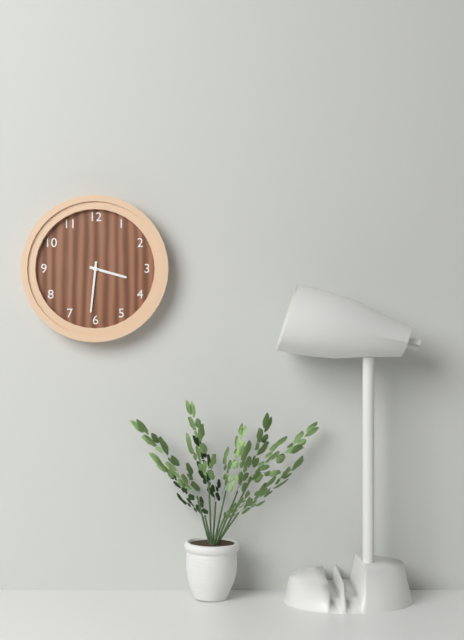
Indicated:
**3:31**
